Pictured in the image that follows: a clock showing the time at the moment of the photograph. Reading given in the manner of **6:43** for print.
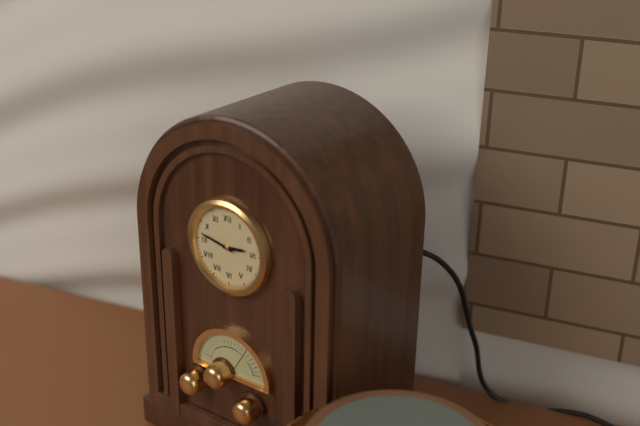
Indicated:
**2:47**
